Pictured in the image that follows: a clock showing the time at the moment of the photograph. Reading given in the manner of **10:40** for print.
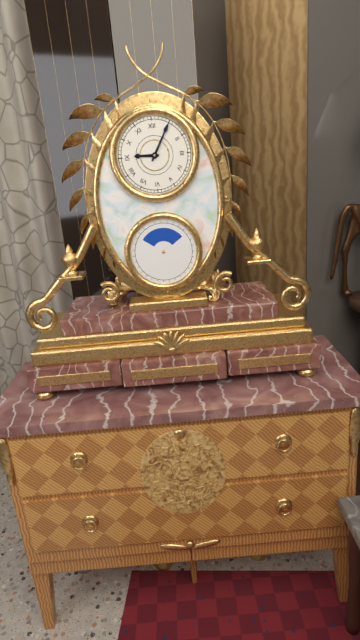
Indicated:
**9:05**
